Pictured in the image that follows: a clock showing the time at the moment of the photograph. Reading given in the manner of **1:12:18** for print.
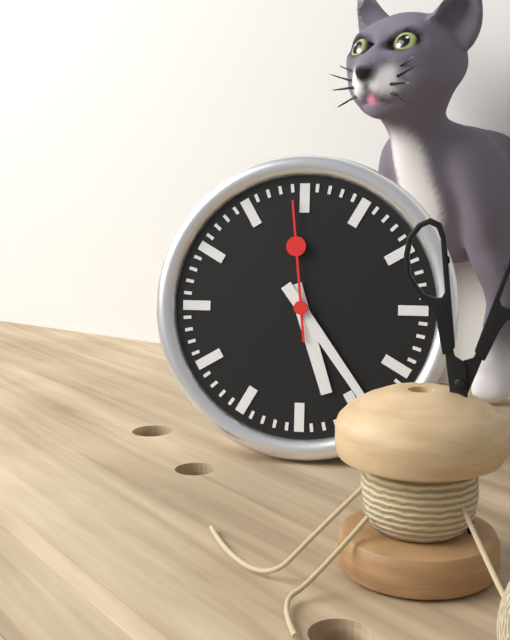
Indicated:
**5:24:59**
